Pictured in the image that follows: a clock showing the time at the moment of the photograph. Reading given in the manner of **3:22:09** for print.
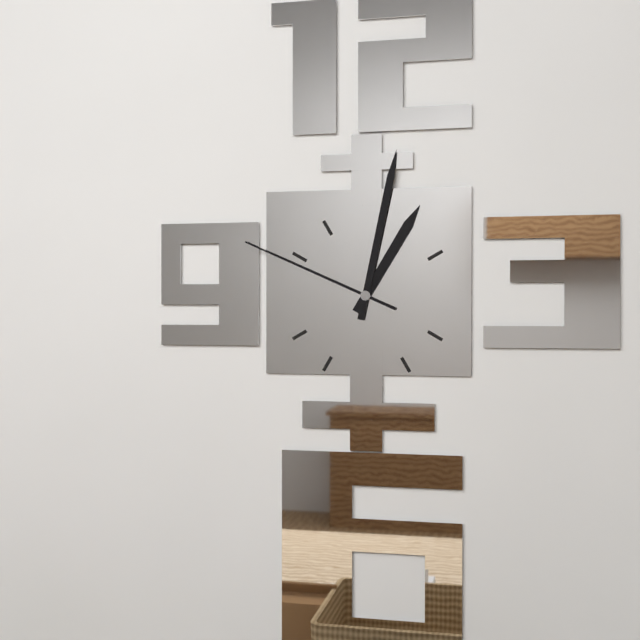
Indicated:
**1:02:49**
